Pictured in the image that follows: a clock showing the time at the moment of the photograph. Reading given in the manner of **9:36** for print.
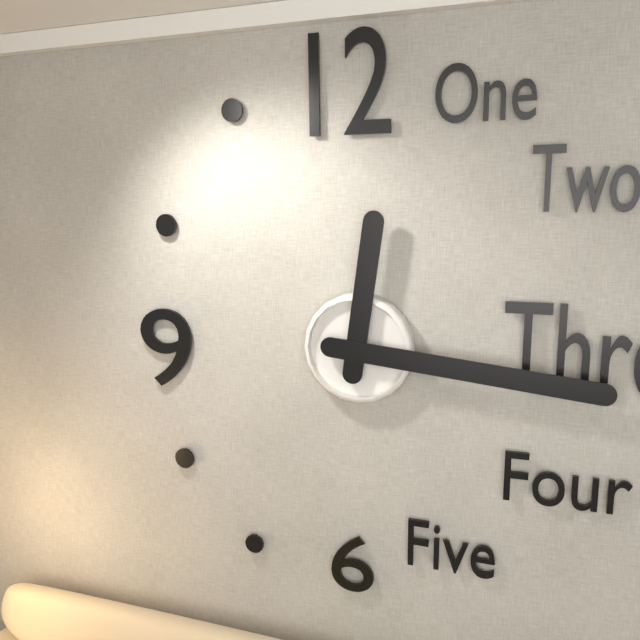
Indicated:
**12:16**
